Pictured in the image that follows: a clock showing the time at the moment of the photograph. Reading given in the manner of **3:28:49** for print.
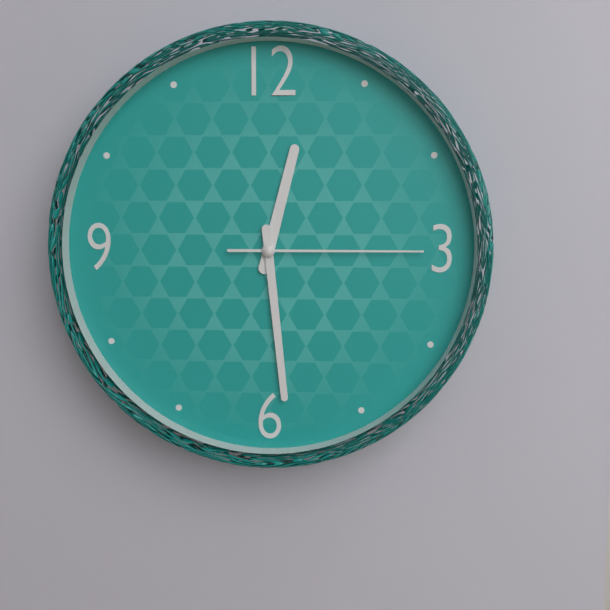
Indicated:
**12:29:15**
